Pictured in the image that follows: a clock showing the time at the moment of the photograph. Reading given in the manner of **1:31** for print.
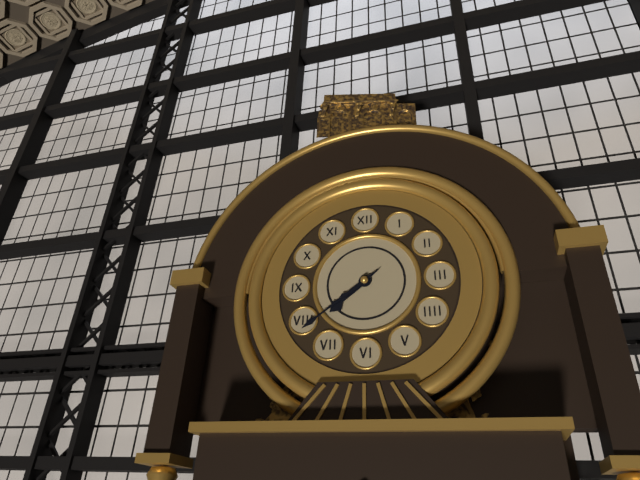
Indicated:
**7:39**
